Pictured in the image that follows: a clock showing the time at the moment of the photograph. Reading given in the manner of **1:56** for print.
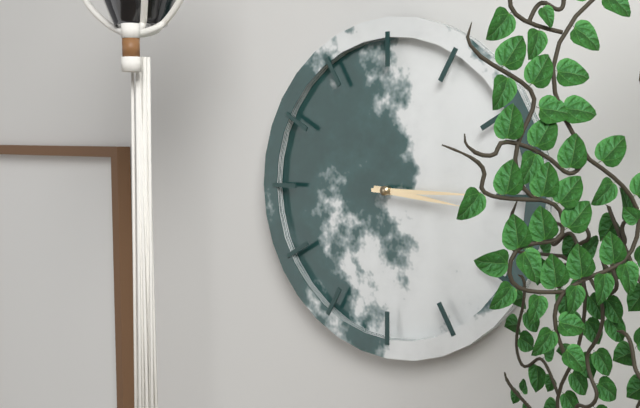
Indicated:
**3:15**
